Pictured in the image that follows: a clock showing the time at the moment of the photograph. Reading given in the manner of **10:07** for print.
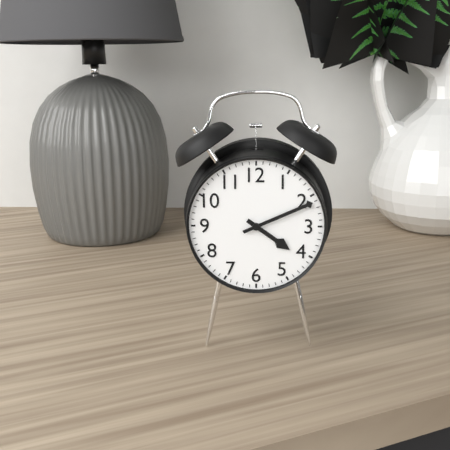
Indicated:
**4:11**
